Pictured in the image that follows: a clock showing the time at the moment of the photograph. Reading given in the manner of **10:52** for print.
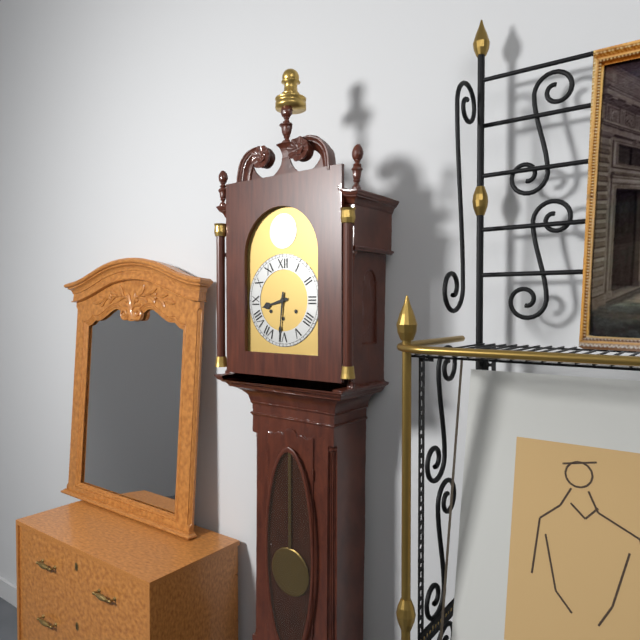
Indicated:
**8:31**
